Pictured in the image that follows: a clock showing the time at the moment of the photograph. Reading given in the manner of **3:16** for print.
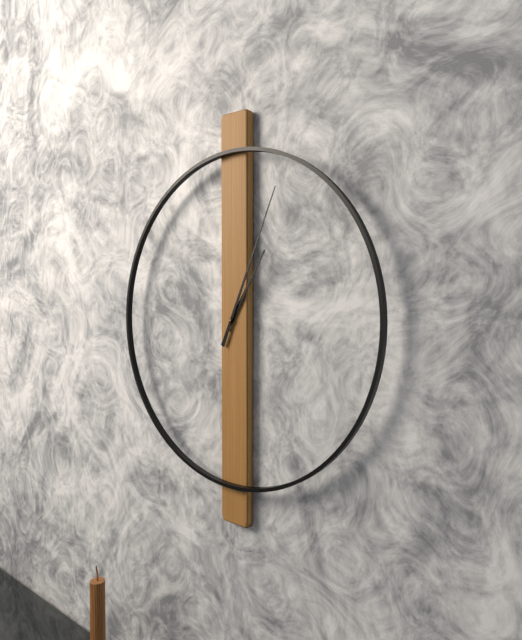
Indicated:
**1:04**
